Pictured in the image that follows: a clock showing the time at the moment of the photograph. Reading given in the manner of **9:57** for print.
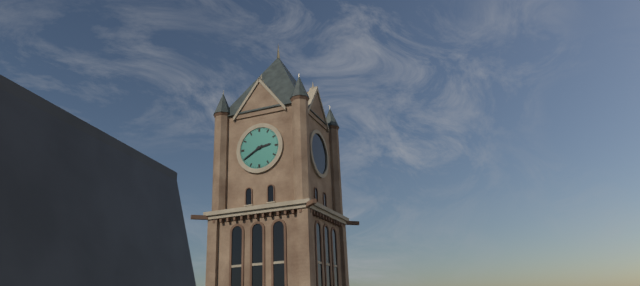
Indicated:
**2:40**
